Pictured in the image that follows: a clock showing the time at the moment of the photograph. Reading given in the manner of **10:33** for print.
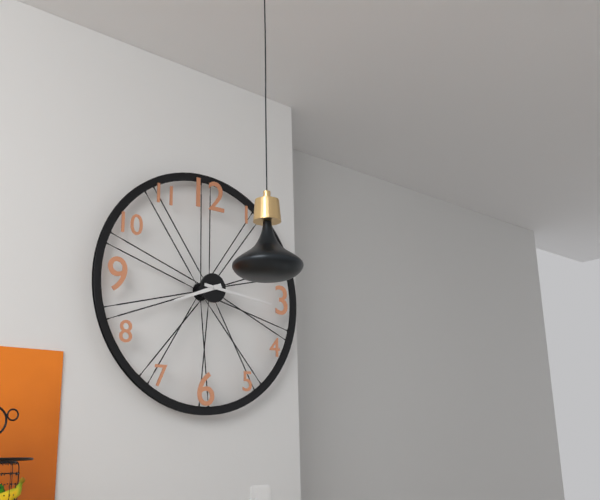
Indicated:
**8:16**
